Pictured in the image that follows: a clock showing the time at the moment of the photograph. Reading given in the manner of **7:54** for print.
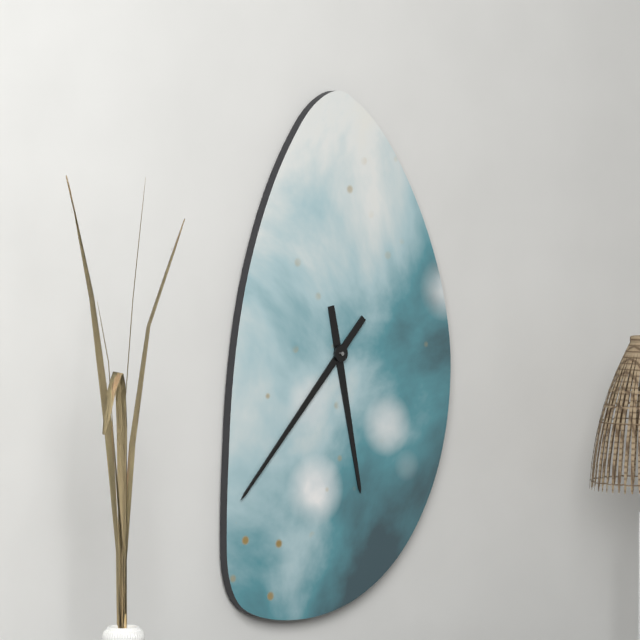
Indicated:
**5:37**
